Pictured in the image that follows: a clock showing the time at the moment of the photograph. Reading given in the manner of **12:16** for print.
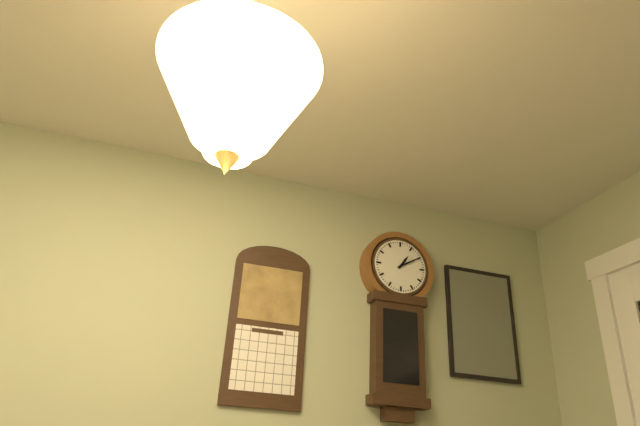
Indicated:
**1:10**
